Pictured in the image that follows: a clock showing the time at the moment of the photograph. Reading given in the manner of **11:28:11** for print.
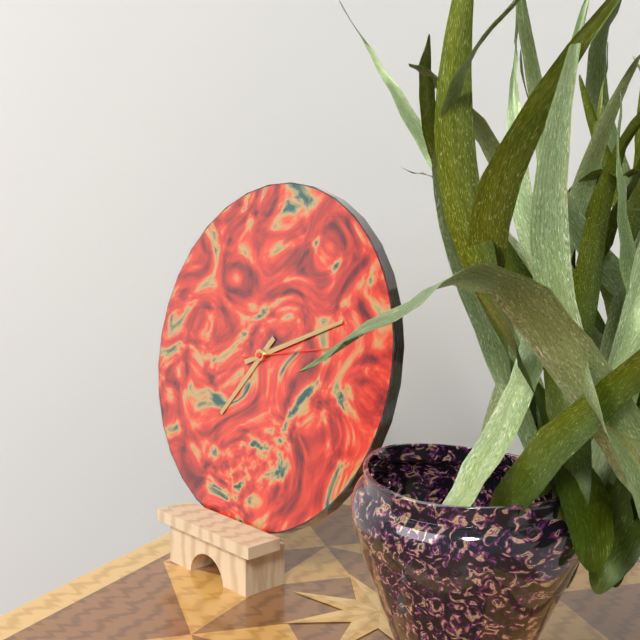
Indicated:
**7:11:13**
